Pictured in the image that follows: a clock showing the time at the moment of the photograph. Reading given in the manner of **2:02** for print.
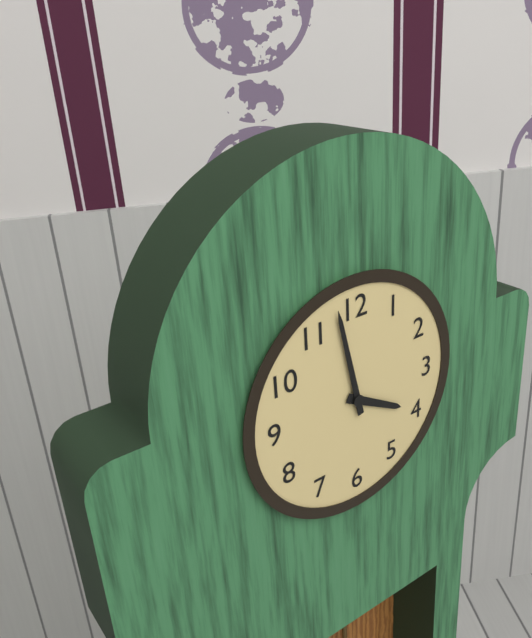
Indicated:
**3:58**
